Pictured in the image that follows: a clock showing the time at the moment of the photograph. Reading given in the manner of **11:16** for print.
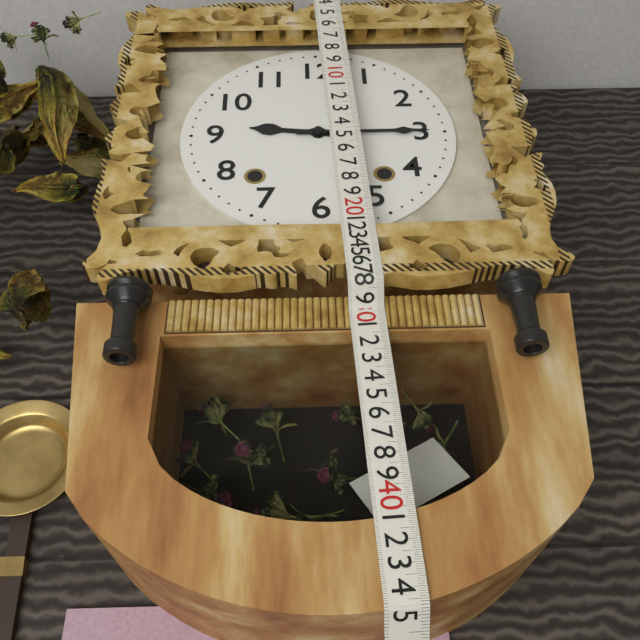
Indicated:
**9:15**
